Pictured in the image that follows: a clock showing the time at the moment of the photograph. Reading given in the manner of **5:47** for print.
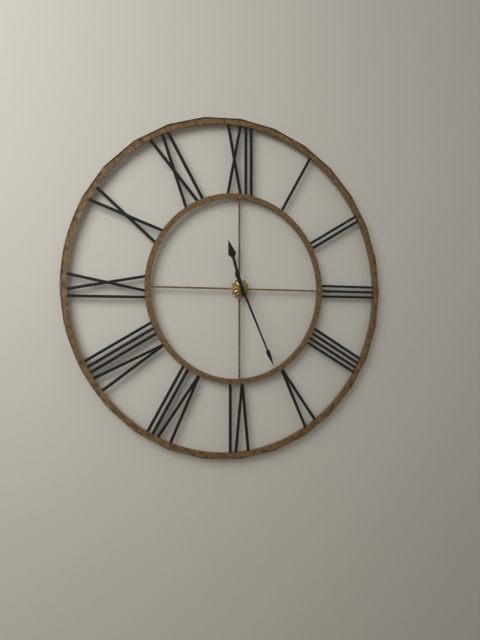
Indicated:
**11:26**
